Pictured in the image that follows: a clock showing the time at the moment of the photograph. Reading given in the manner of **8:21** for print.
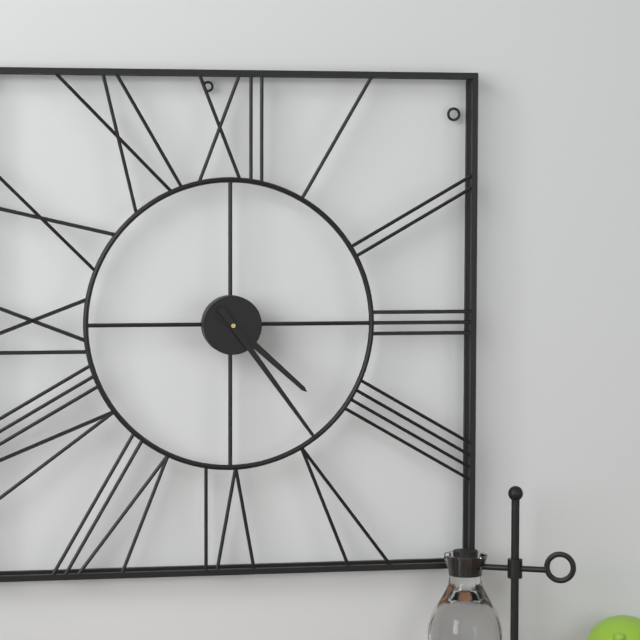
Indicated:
**4:24**
